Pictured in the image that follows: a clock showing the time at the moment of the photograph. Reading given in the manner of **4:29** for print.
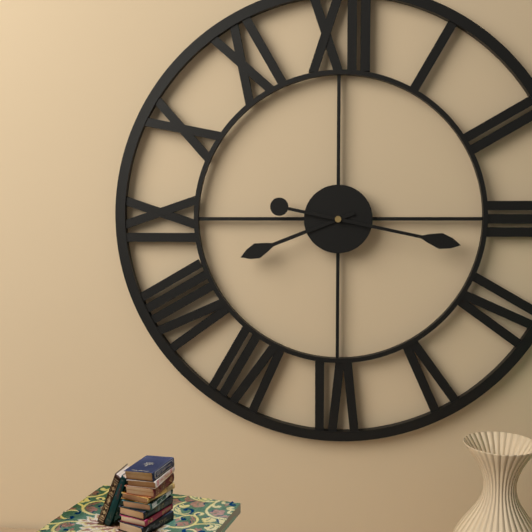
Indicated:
**8:17**
